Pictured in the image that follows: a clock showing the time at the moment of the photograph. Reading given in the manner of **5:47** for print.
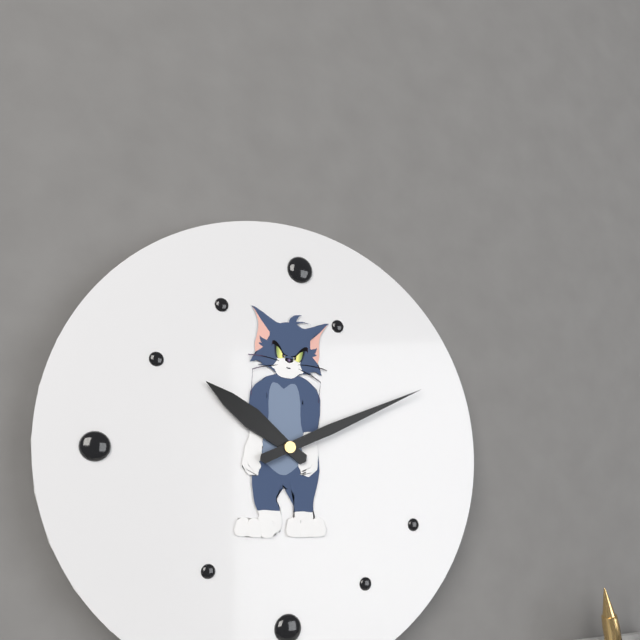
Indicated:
**10:11**
